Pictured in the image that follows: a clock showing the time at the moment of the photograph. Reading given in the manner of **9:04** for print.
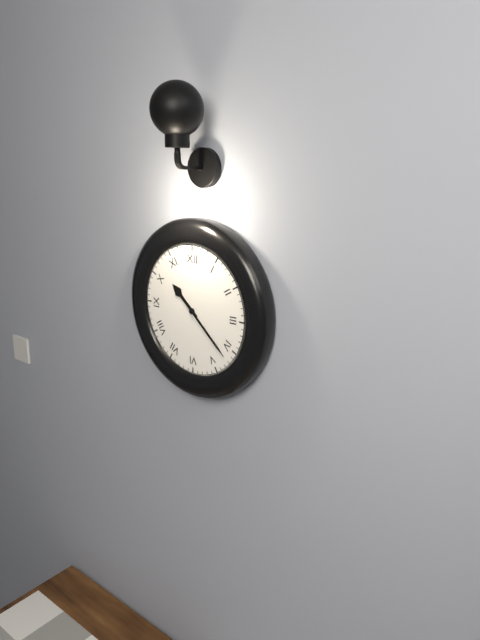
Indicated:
**10:22**
